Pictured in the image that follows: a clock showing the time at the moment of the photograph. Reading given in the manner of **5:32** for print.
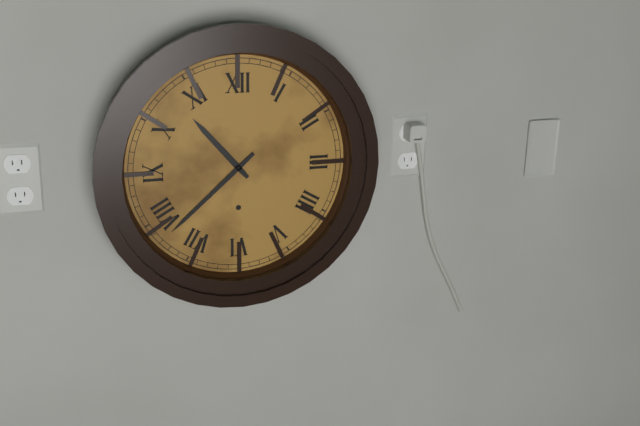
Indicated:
**10:38**
